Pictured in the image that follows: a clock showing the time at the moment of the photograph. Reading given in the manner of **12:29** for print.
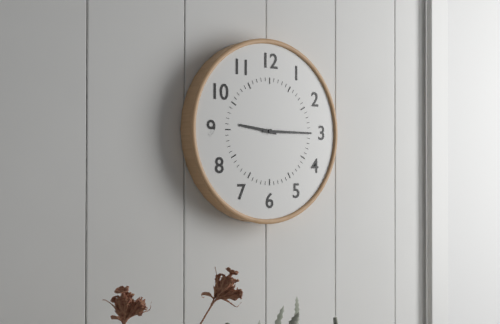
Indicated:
**9:15**
